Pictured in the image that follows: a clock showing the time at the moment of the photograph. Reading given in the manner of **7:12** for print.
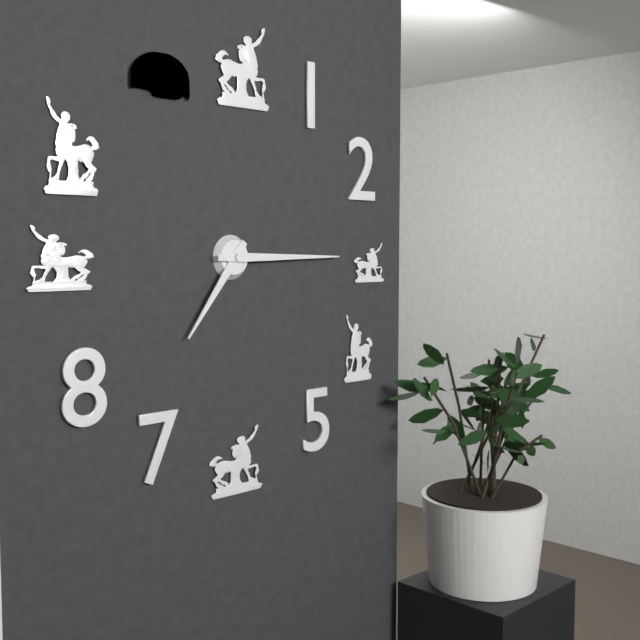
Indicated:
**7:15**
